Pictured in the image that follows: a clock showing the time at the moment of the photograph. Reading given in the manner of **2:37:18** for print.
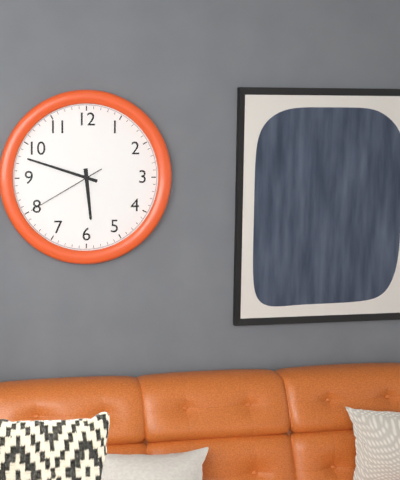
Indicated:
**5:48:40**
